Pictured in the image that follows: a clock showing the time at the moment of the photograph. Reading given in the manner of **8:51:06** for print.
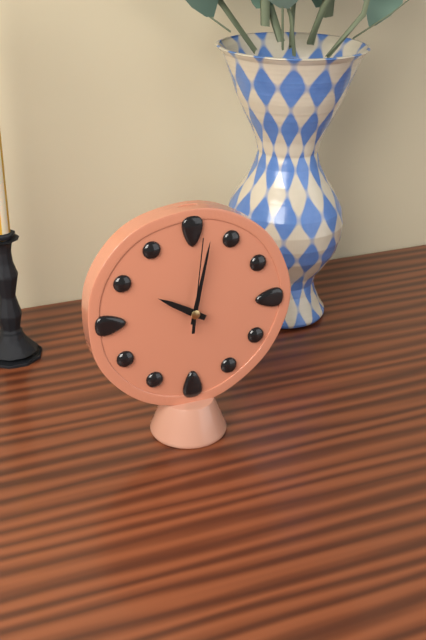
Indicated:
**10:02:01**
